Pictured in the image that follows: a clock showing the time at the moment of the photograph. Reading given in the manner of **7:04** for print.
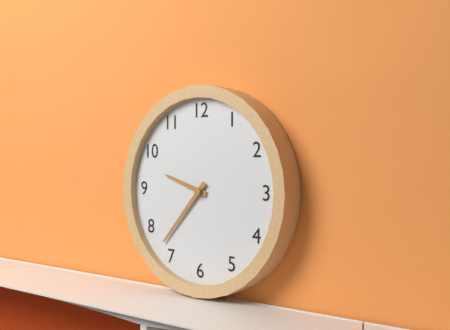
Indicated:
**9:37**
